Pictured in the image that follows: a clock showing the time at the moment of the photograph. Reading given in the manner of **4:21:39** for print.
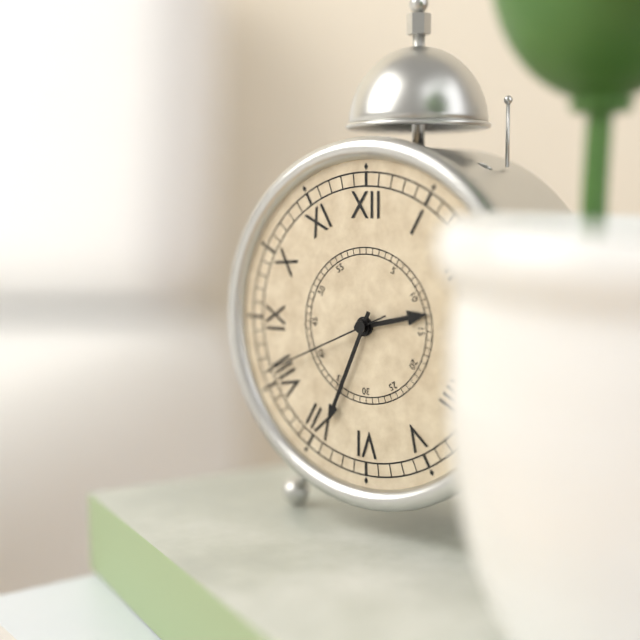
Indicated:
**2:34:41**
